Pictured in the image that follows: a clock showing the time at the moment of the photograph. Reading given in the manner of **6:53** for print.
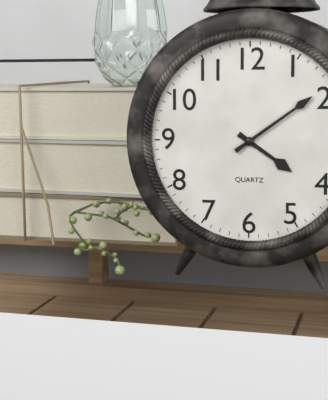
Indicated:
**4:09**
